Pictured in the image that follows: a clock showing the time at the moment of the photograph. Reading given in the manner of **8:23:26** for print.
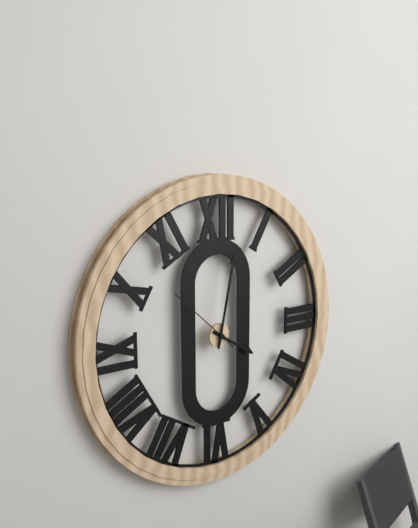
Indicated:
**4:02:52**
